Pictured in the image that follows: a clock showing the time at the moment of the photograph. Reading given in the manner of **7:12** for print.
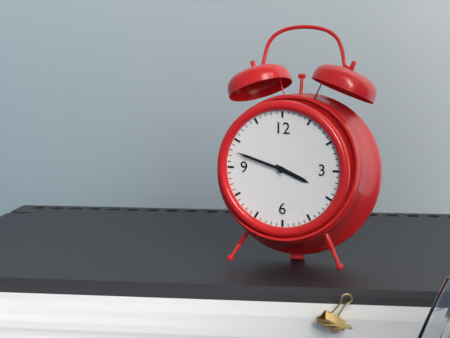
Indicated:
**3:48**
